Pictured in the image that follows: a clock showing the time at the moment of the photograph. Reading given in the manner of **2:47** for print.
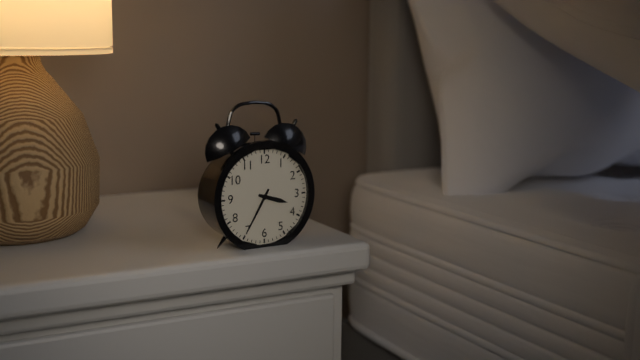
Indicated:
**3:35**
